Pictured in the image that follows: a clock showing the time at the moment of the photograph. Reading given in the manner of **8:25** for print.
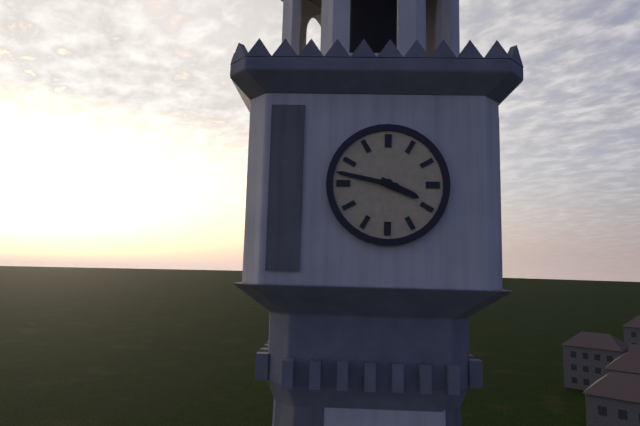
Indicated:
**3:47**
